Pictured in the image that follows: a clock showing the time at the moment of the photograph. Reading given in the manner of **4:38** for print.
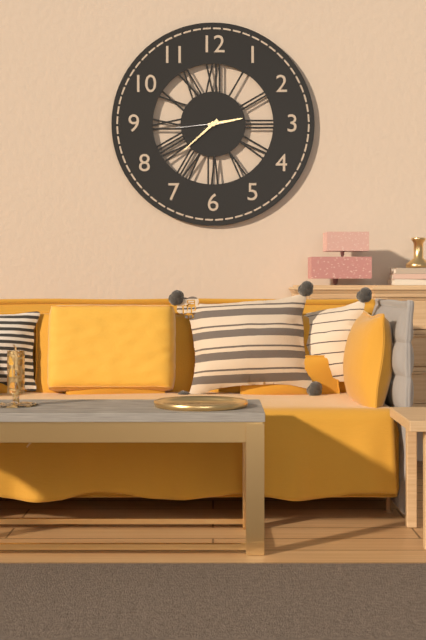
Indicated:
**2:38**
